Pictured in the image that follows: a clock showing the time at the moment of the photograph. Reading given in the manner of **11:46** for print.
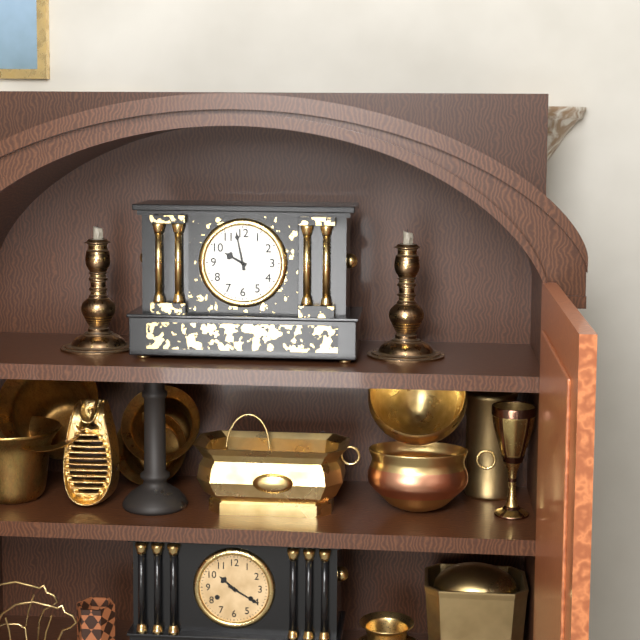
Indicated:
**9:58**
